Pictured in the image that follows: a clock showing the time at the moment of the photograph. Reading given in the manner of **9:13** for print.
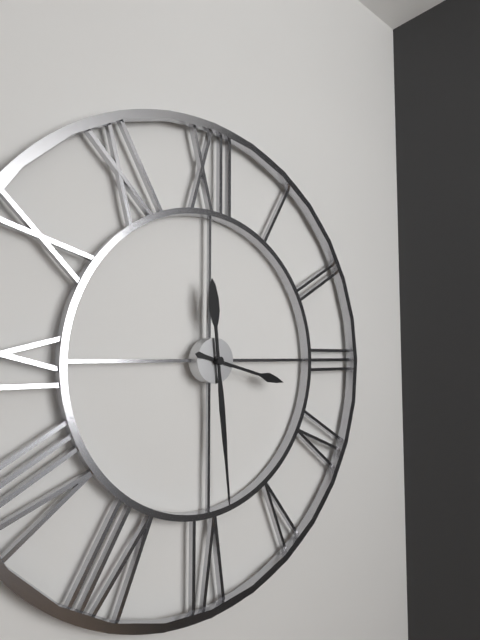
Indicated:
**3:29**
